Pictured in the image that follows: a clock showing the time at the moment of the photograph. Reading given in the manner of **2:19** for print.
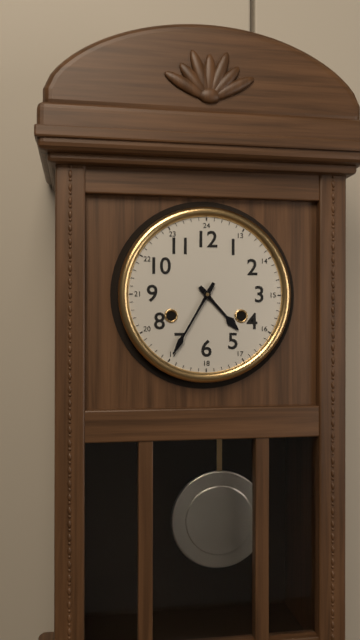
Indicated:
**4:35**
